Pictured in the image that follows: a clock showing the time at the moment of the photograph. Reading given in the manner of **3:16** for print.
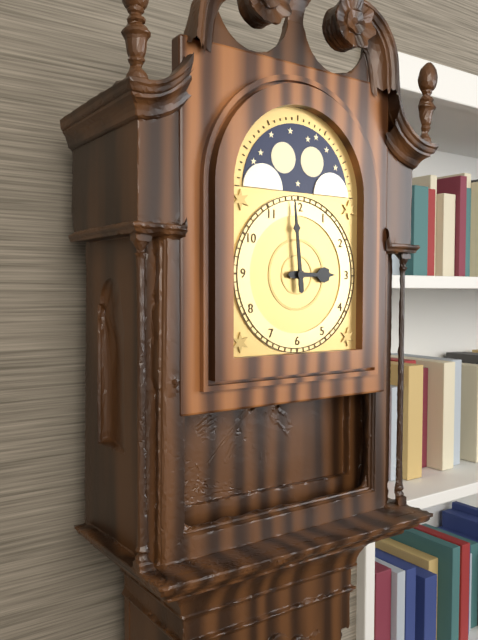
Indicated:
**2:59**
